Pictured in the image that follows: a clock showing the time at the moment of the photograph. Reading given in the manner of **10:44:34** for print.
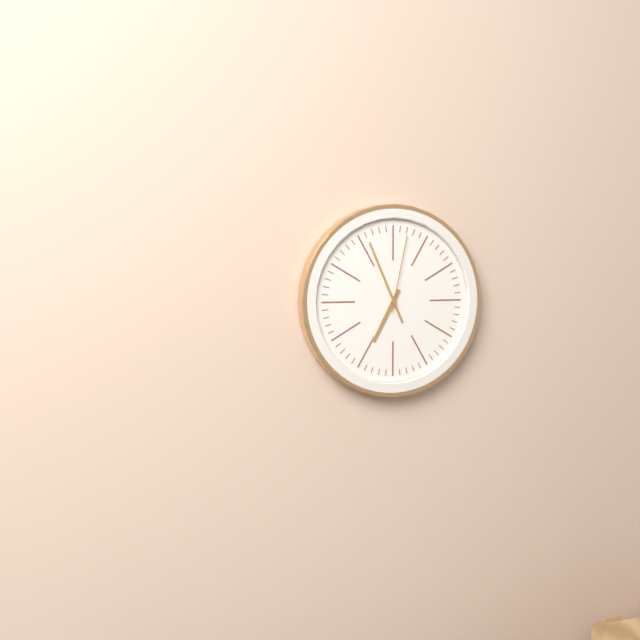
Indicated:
**6:56:02**
